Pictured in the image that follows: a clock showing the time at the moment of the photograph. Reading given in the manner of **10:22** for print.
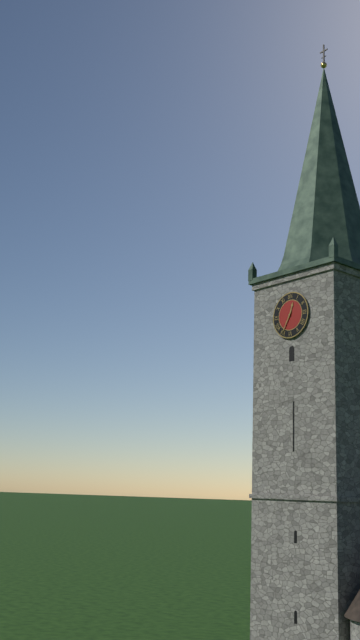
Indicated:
**12:35**
